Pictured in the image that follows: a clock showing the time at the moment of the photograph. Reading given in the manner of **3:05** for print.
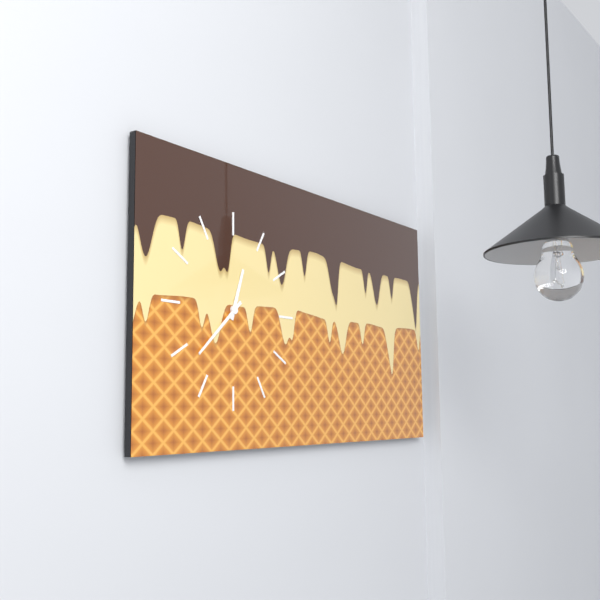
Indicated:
**12:38**
